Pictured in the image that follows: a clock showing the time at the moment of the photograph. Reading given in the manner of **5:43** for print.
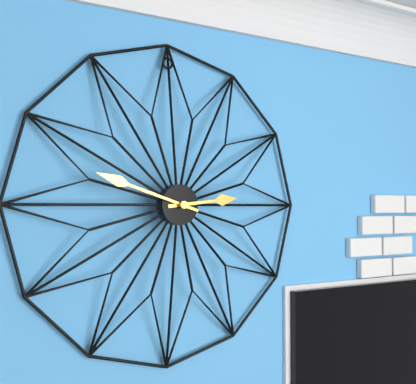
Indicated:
**2:48**
